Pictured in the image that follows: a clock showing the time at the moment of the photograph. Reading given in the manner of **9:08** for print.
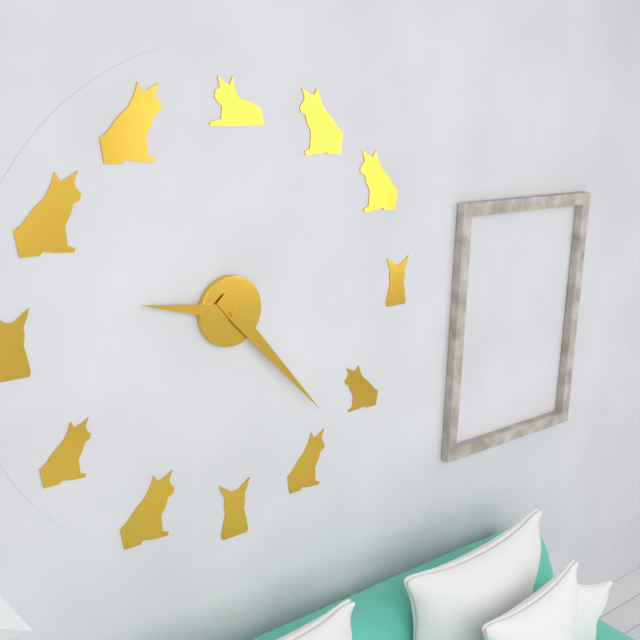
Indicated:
**9:23**
